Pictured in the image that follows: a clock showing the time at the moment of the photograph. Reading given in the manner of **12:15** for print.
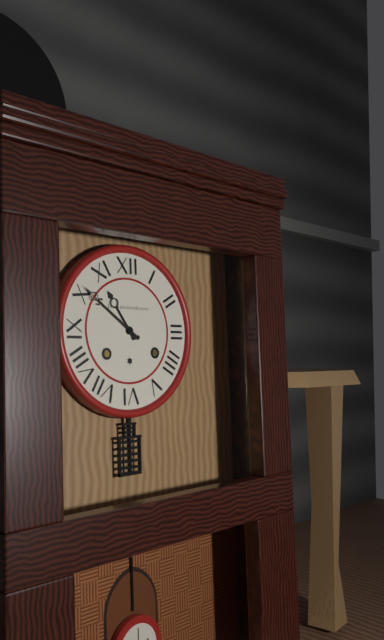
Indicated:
**10:51**
